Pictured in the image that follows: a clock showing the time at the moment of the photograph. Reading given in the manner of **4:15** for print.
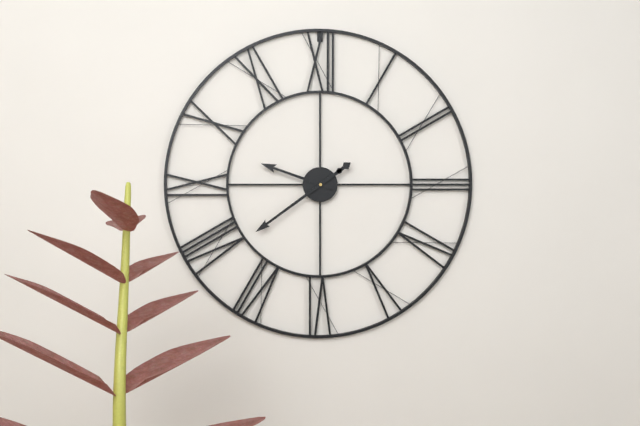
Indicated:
**9:39**
